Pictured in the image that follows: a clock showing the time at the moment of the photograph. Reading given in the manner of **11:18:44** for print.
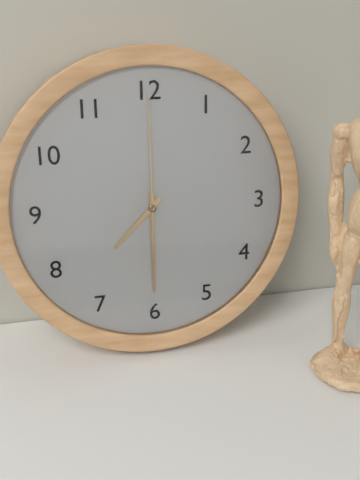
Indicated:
**7:30:00**
